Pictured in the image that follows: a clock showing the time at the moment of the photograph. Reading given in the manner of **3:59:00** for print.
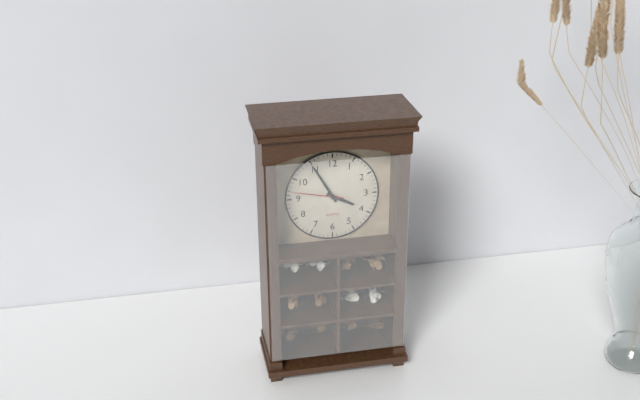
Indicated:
**3:55:47**
